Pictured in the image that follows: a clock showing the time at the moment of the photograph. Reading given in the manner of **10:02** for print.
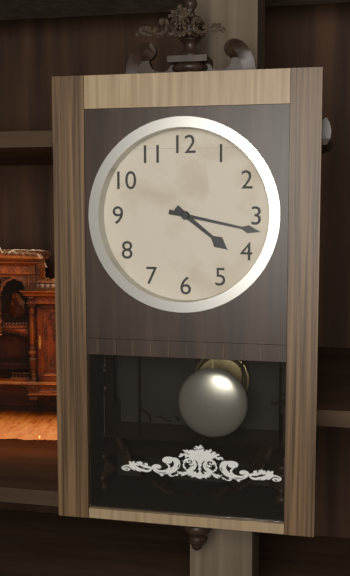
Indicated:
**4:17**
